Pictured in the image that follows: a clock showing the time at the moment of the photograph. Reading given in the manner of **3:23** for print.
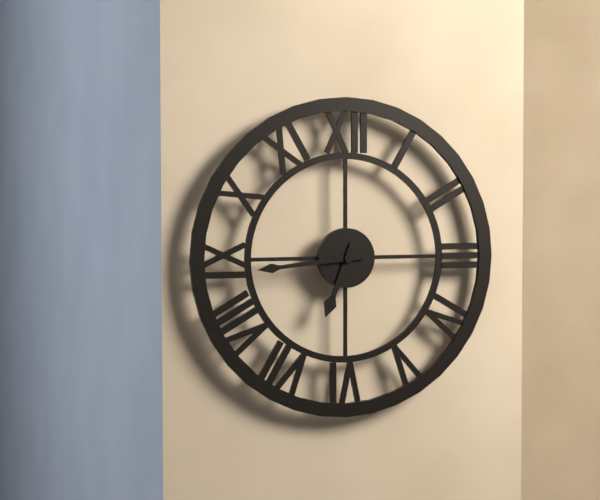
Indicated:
**6:44**
